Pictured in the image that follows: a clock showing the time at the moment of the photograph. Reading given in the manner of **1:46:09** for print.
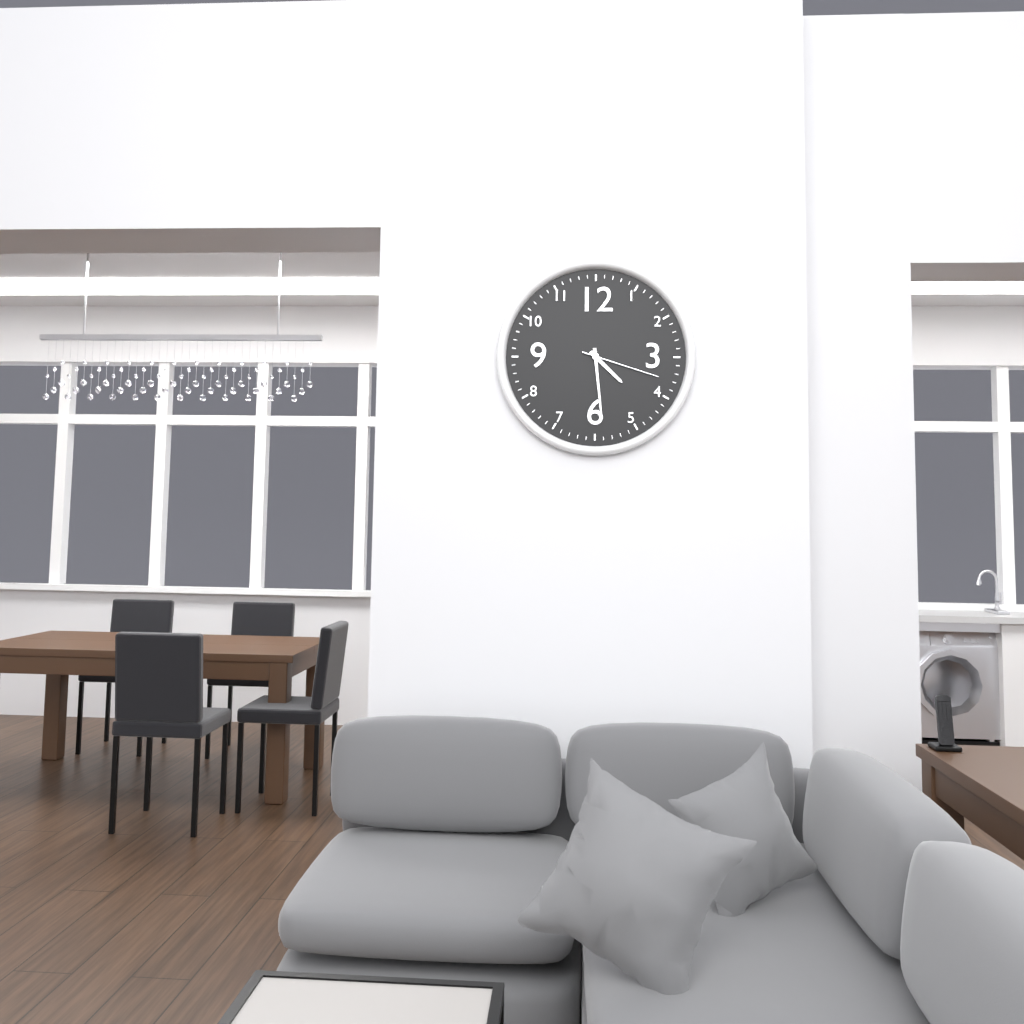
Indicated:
**4:29:18**
